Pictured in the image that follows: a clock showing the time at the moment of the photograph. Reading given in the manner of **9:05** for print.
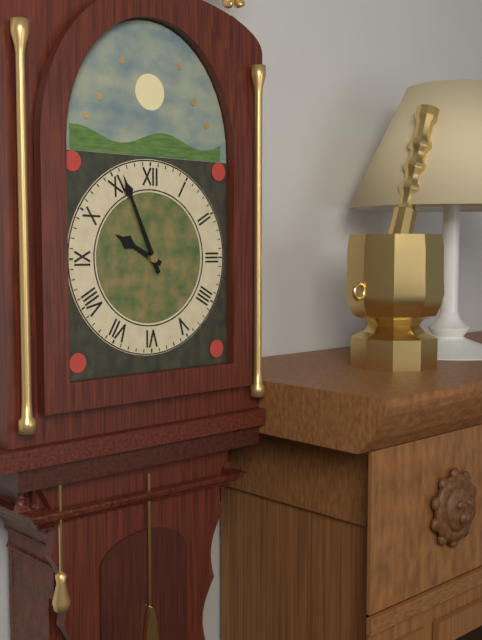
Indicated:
**9:56**
